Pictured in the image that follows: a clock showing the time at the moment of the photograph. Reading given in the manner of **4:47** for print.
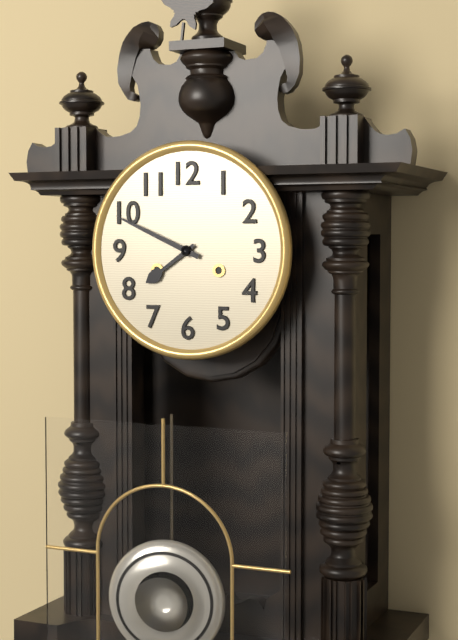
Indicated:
**7:49**
